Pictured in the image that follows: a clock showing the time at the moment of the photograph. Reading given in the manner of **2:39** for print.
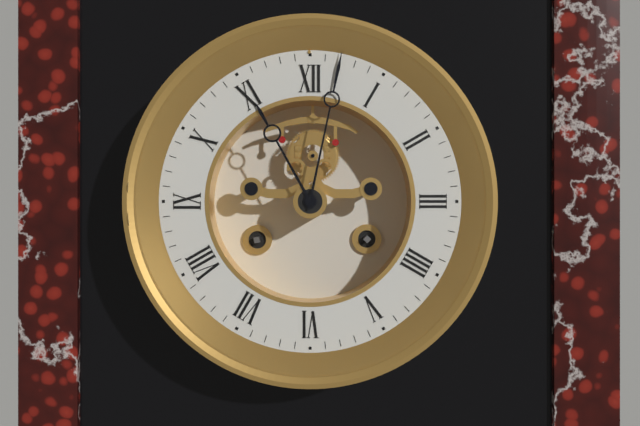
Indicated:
**11:02**
